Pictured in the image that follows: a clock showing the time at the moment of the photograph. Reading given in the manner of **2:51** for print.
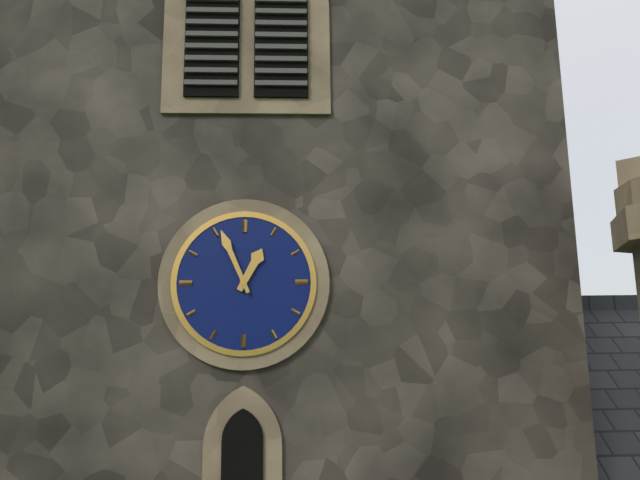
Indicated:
**12:56**
